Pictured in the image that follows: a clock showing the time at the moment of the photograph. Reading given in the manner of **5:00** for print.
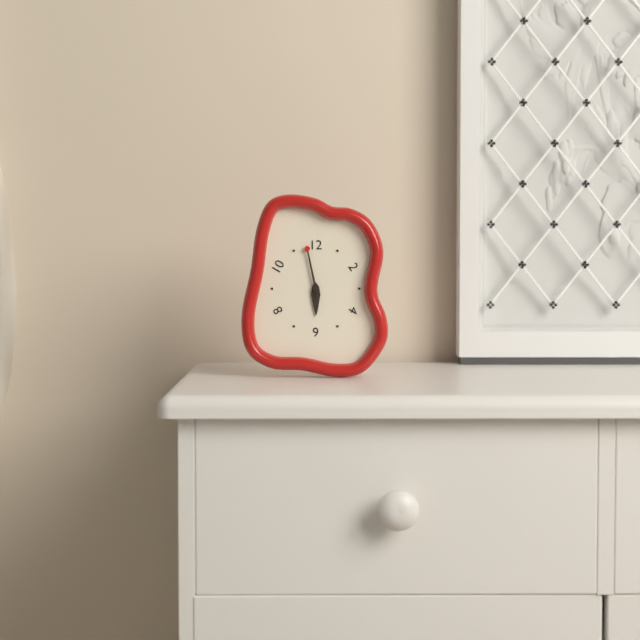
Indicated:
**5:58**
